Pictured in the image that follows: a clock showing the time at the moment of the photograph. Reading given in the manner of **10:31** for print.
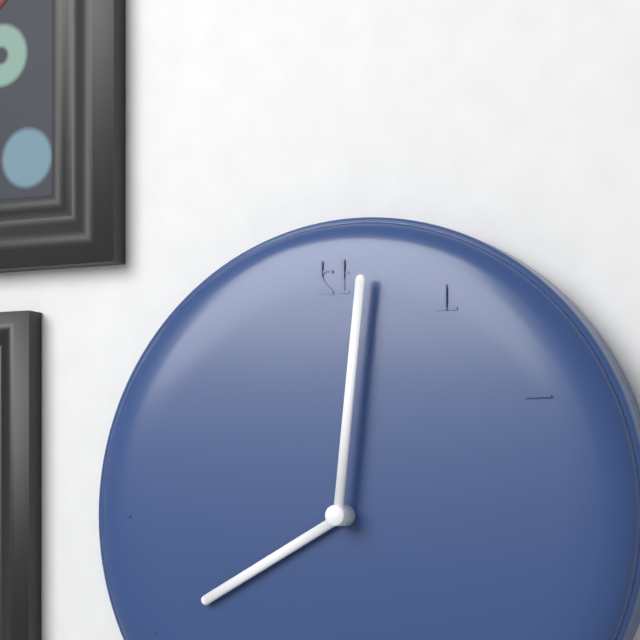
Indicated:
**8:01**
